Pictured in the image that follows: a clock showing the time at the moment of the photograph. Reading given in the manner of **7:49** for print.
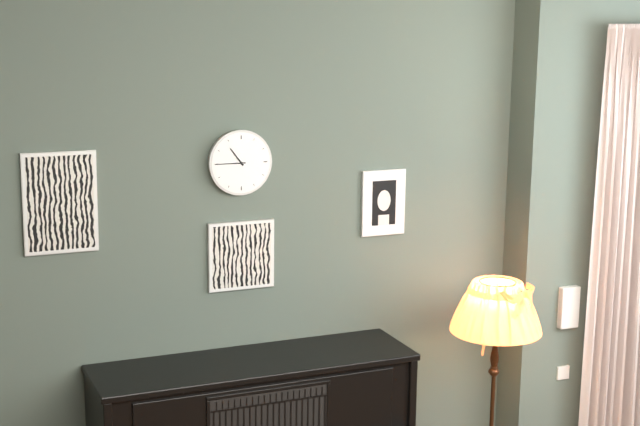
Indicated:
**10:45**
